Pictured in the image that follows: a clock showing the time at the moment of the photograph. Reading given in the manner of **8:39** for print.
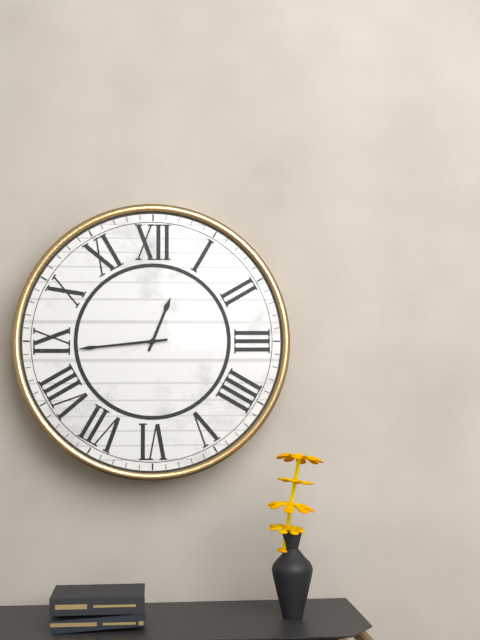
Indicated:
**12:44**
